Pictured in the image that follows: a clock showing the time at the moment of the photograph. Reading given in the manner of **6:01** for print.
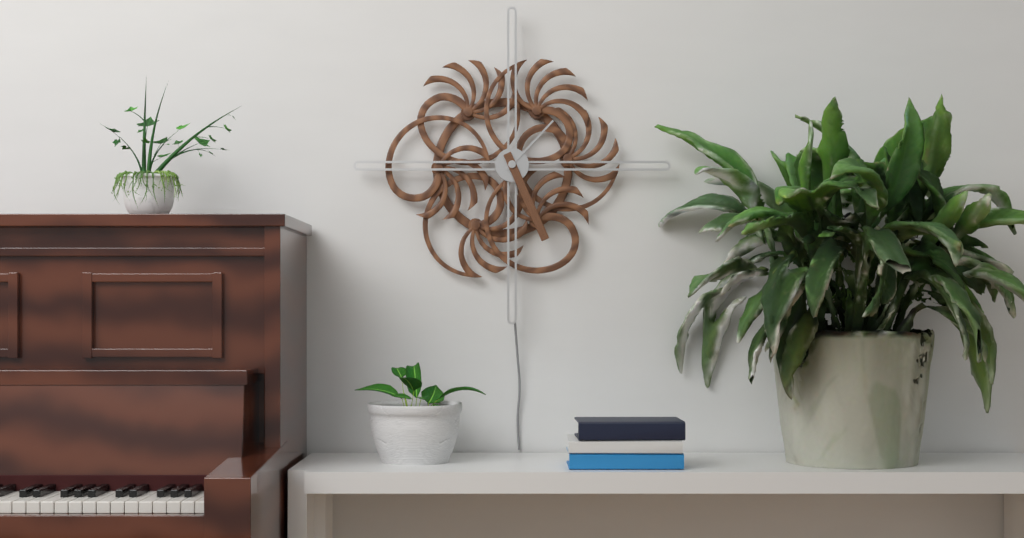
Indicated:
**1:26**
